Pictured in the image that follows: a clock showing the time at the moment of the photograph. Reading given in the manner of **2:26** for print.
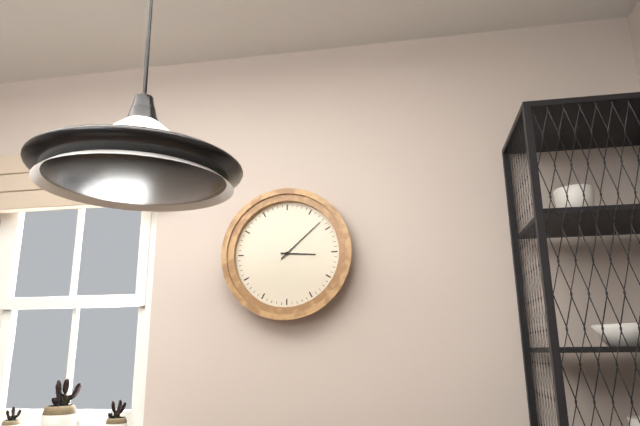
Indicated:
**3:08**
